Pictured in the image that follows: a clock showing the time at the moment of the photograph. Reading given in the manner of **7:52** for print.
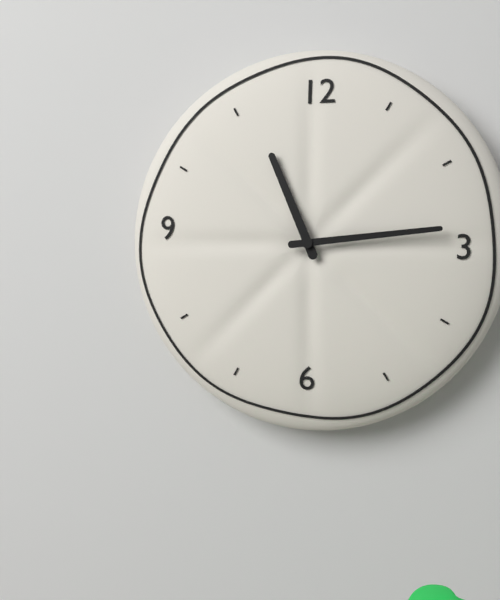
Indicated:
**11:14**
